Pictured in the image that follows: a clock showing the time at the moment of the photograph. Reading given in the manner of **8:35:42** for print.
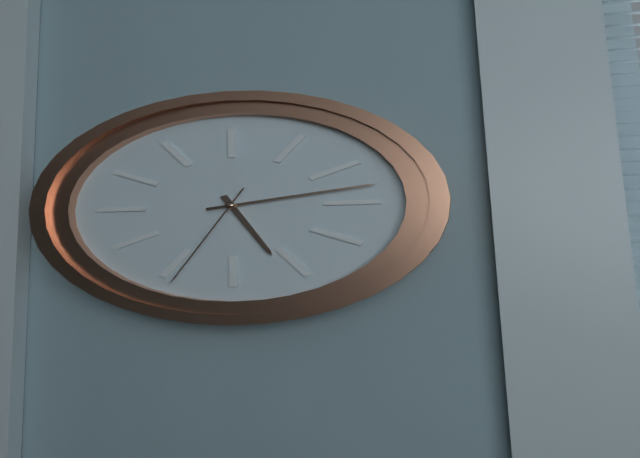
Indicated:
**5:13:34**
